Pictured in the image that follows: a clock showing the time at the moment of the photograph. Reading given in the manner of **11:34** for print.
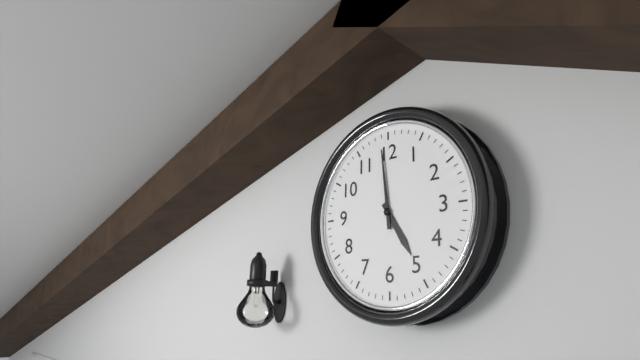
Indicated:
**4:59**
